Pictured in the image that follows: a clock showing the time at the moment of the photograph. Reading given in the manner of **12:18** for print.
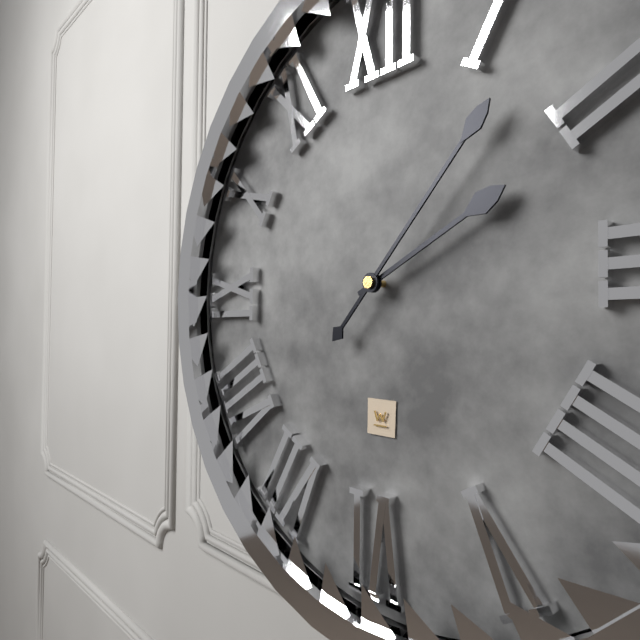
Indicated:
**2:07**
